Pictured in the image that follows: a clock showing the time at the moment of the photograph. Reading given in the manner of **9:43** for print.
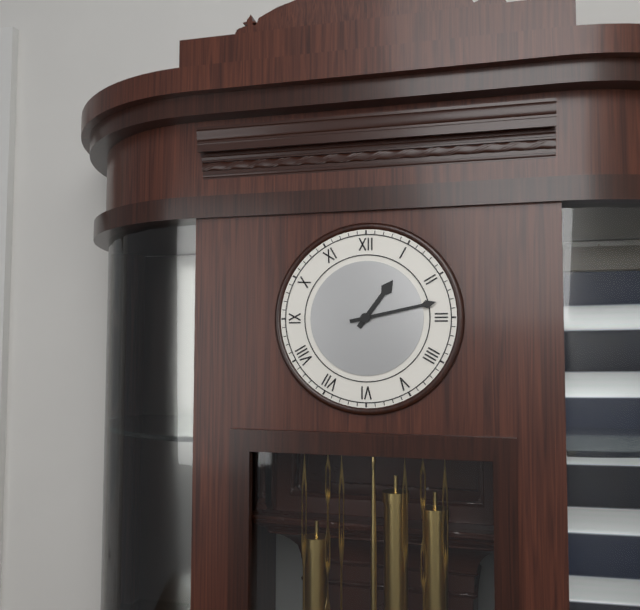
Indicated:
**1:13**
